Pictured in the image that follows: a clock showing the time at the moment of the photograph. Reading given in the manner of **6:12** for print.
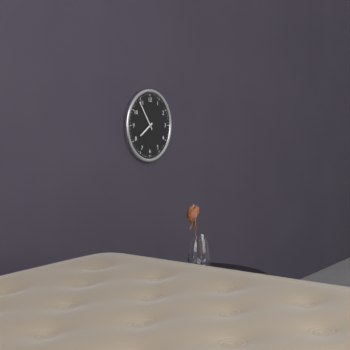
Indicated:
**7:54**
